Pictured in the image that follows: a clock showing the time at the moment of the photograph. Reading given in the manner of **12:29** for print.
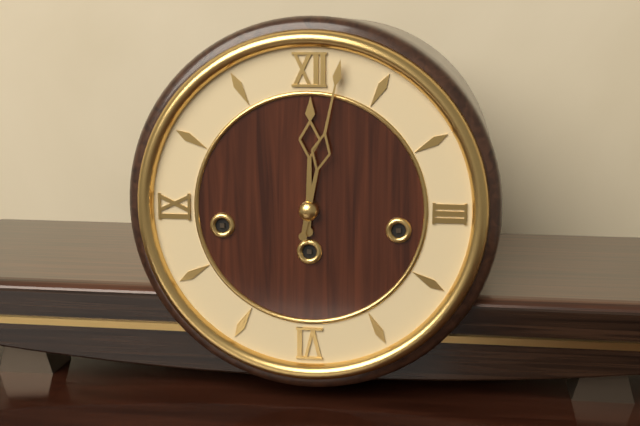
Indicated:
**12:02**
